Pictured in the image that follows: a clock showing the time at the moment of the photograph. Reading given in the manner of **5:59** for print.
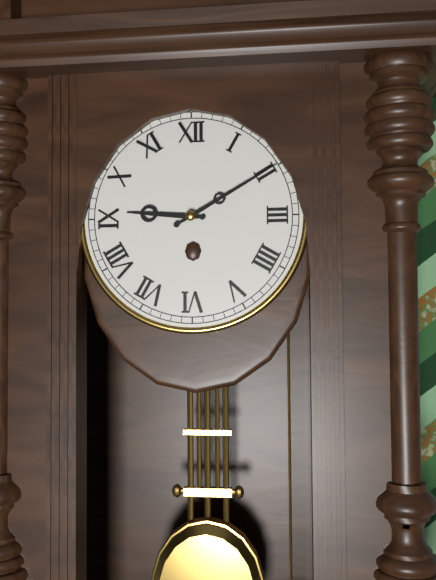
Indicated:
**9:10**
